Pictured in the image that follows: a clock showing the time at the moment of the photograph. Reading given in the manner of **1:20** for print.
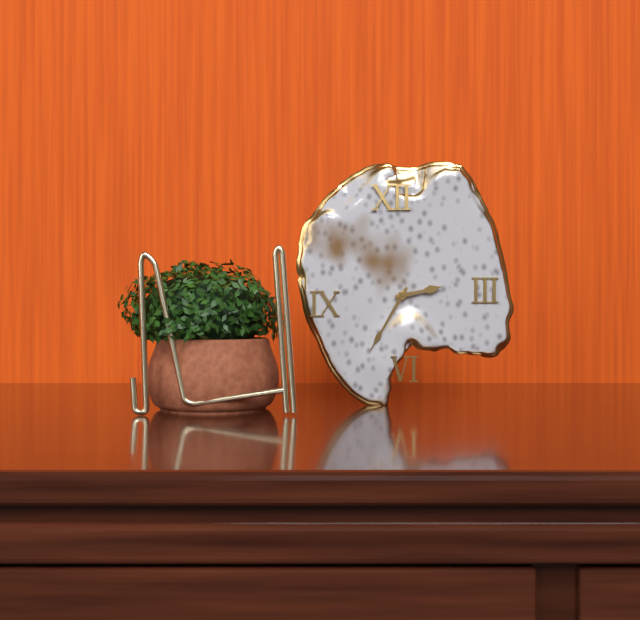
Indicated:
**2:35**
